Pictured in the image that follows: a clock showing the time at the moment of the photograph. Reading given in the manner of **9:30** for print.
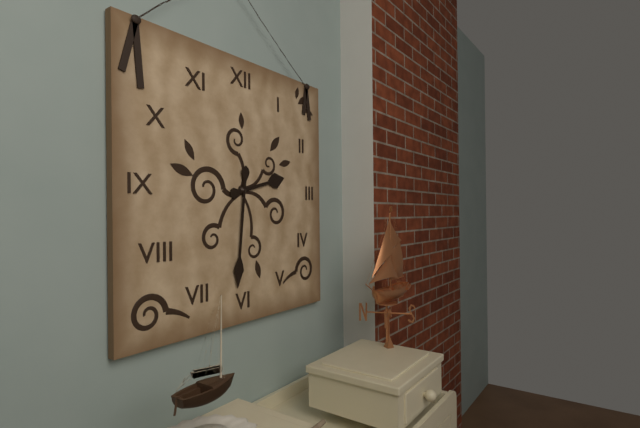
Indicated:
**2:31**
